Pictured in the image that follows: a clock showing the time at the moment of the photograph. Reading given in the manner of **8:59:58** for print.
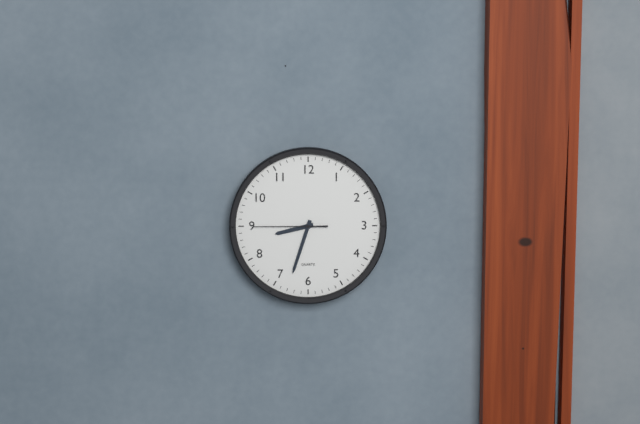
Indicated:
**8:33:45**
